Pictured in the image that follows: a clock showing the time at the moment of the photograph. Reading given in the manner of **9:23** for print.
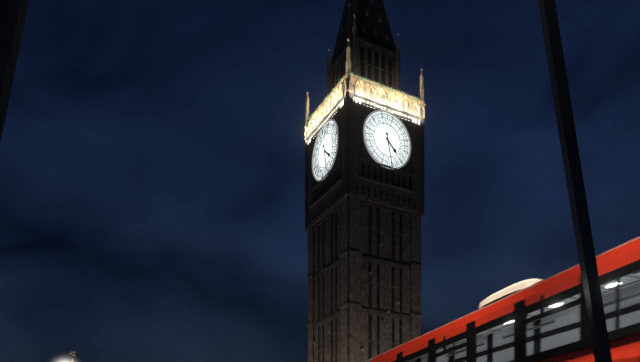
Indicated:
**4:28**
